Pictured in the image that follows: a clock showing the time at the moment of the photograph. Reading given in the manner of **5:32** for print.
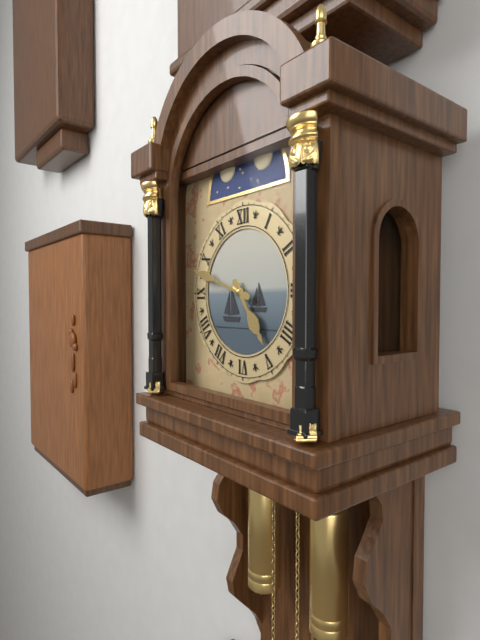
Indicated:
**4:48**
